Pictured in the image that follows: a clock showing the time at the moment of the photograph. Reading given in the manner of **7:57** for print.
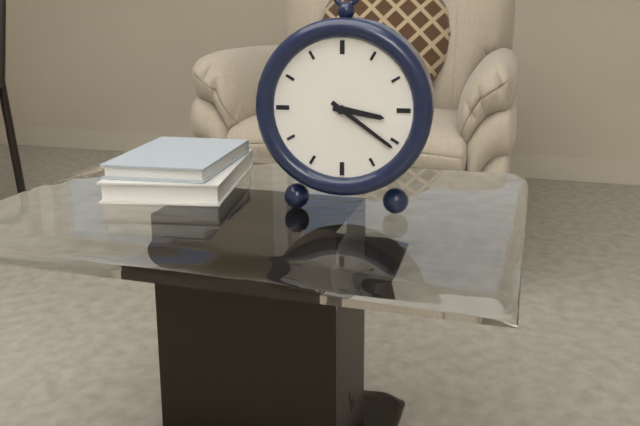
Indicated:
**3:21**
